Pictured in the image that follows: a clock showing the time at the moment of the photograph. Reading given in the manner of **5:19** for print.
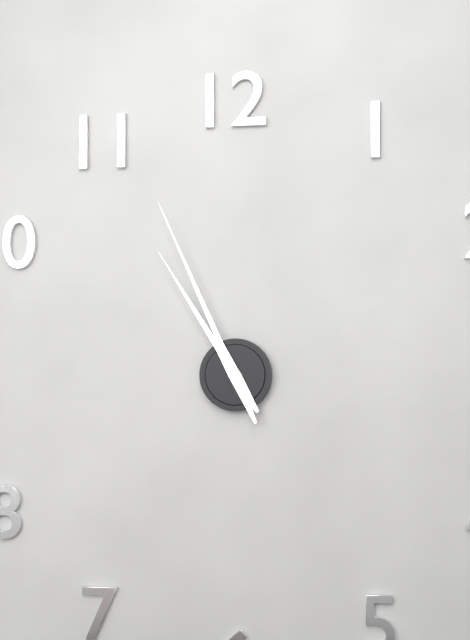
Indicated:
**10:56**
